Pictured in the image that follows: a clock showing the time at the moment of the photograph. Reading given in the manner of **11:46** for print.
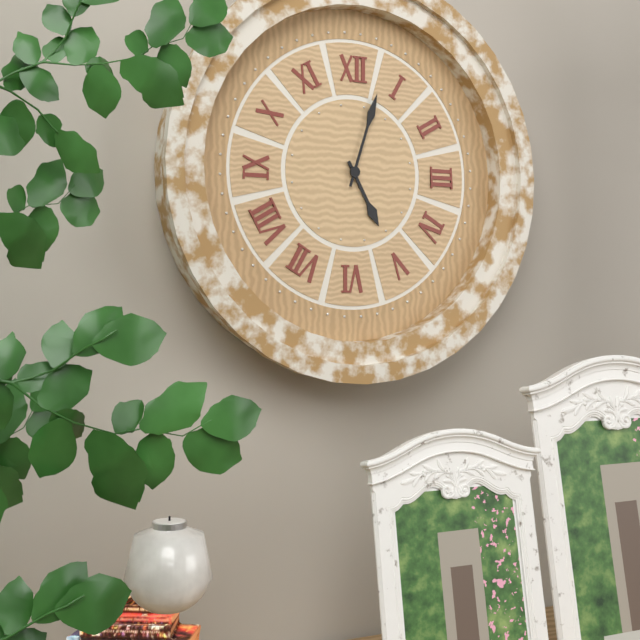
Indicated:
**5:03**
